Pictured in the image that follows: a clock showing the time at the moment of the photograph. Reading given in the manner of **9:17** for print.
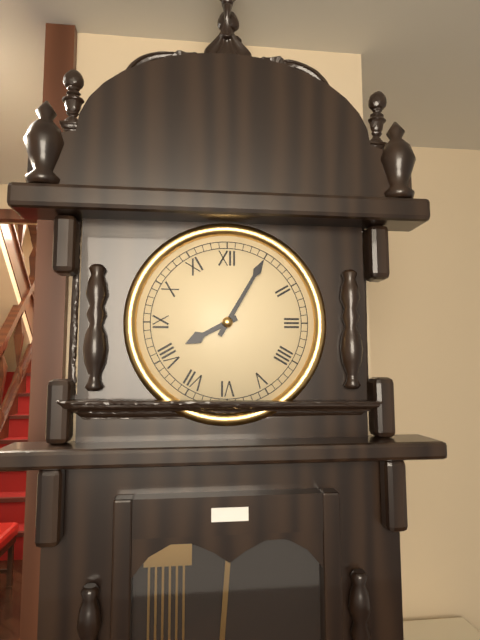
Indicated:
**8:05**
